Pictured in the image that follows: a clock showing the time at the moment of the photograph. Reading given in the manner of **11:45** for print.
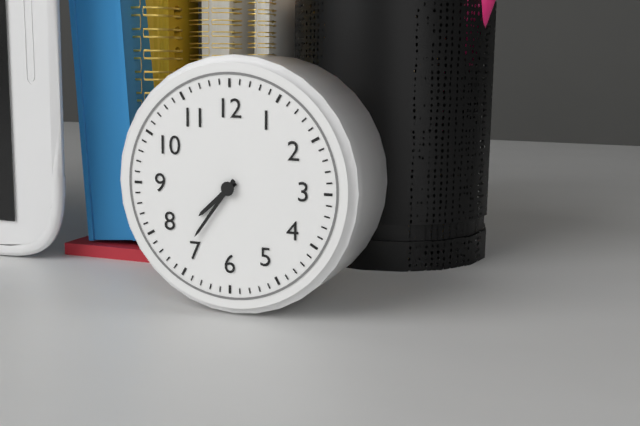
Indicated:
**7:36**
